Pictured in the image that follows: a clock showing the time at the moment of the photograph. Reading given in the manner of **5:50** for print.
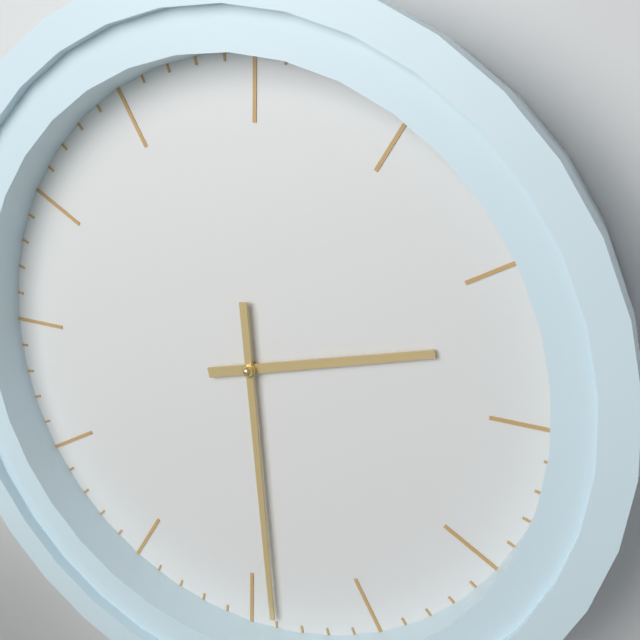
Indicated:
**2:29**
